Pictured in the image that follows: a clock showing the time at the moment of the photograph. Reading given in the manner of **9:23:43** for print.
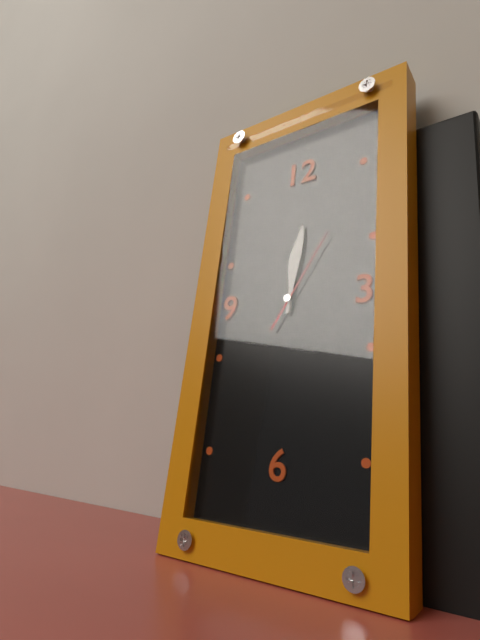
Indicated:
**12:01:05**
